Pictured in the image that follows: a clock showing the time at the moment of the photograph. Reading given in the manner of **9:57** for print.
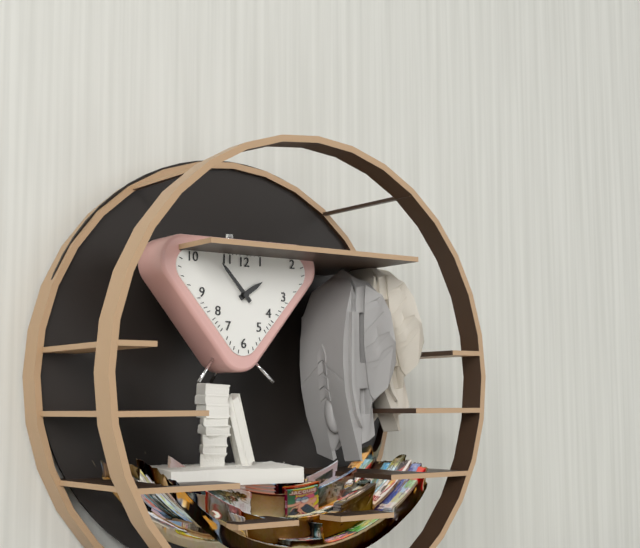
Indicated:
**1:53**
